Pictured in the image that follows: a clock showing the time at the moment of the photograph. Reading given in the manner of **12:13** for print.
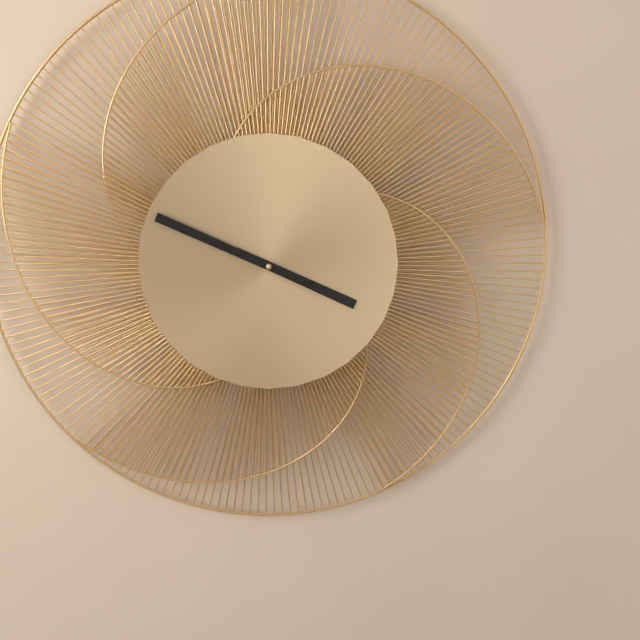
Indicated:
**3:49**
